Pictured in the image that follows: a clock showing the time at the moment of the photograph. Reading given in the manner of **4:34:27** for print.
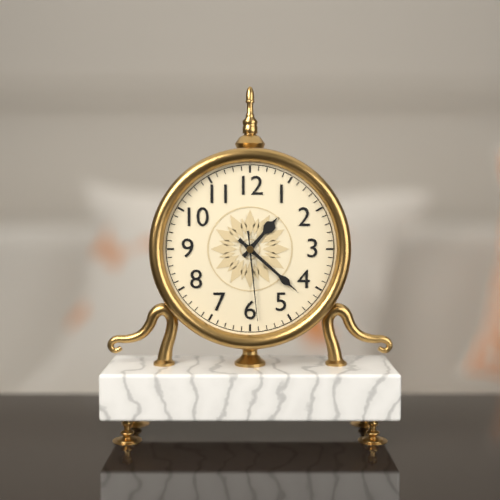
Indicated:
**1:22:29**
